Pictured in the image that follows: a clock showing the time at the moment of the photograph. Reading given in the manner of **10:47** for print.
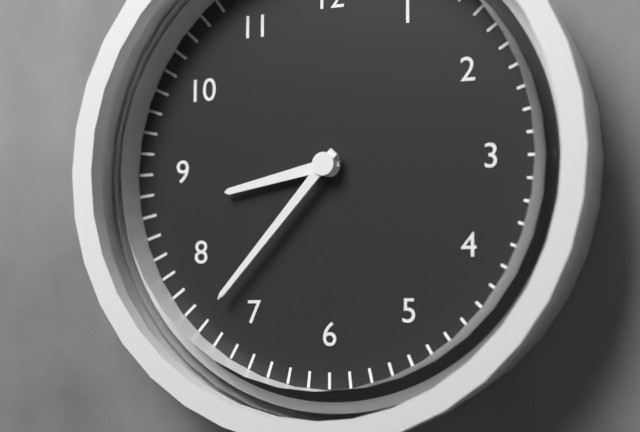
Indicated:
**8:37**
